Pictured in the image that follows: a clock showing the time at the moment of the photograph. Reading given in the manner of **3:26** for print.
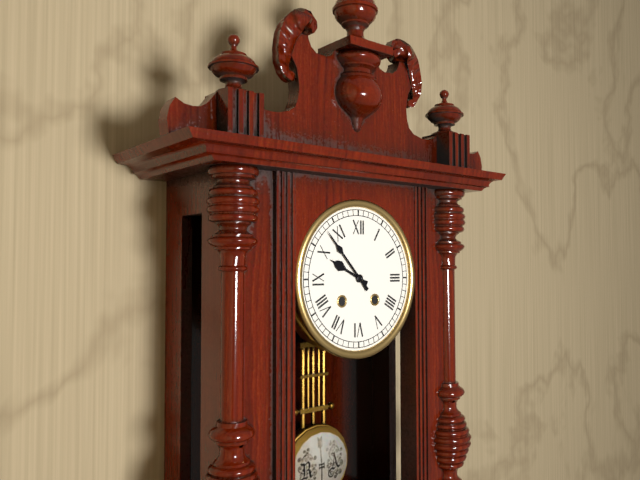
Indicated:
**9:53**
